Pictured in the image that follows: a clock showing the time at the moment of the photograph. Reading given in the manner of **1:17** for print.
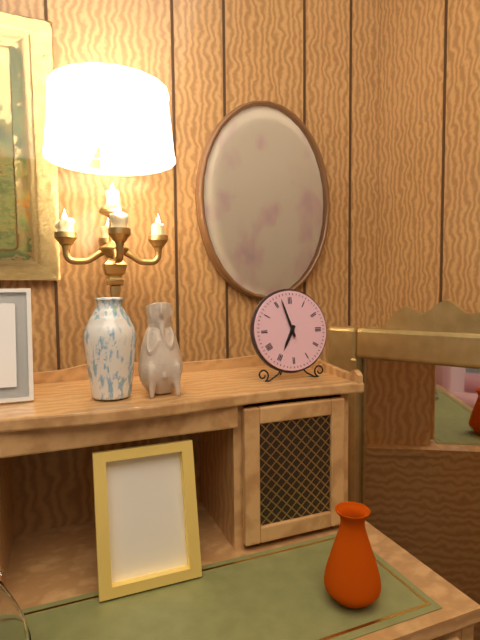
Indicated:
**6:57**
